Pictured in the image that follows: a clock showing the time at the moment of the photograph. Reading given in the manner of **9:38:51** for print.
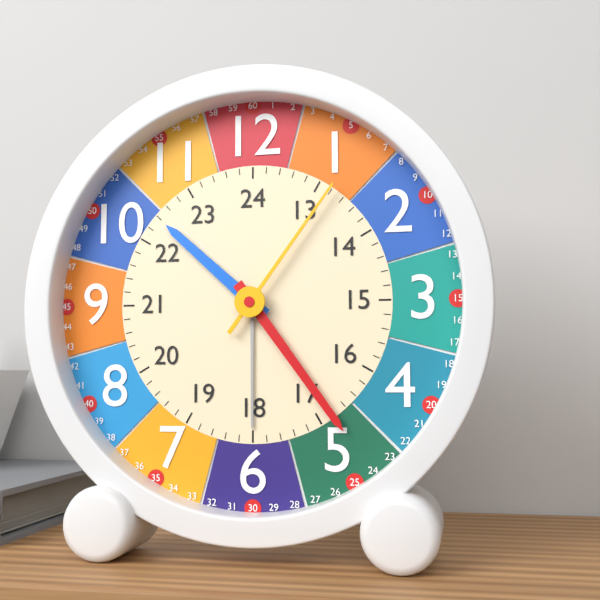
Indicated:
**10:24:06**
